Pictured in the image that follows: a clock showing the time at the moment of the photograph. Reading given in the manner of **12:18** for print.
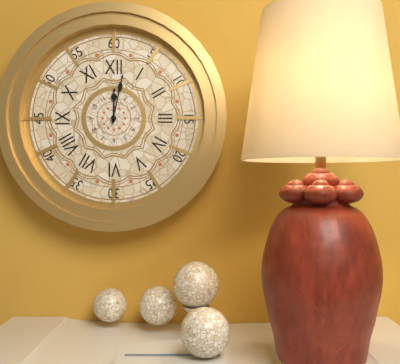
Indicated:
**12:02**
